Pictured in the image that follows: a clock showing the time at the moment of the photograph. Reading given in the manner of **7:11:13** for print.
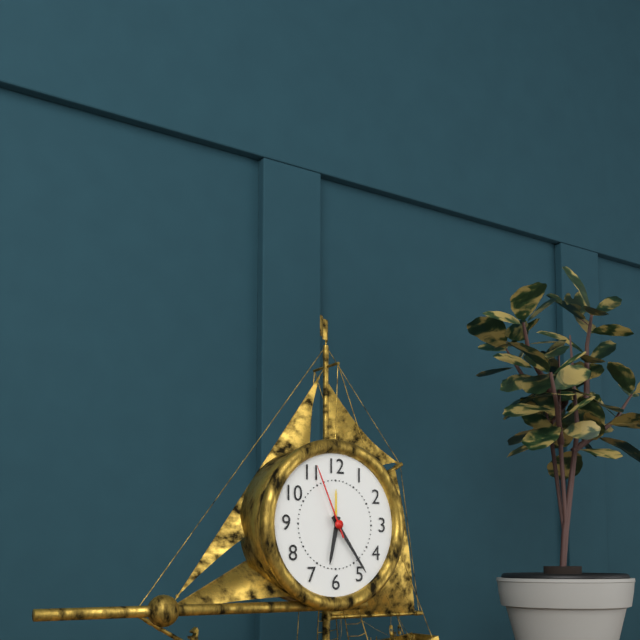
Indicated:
**6:24:56**
